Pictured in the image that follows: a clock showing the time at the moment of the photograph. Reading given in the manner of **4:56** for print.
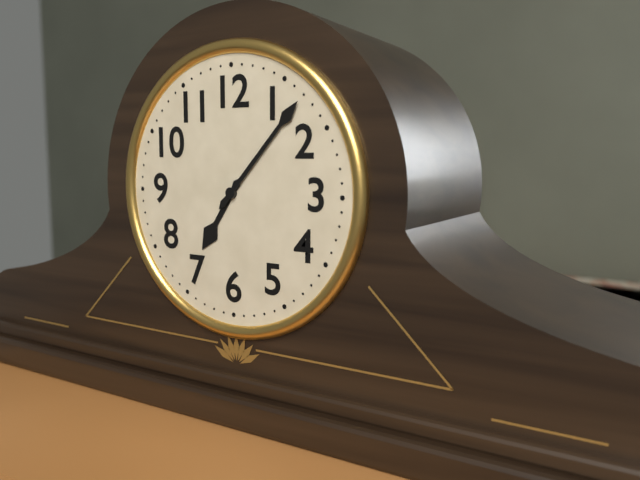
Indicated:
**7:07**
